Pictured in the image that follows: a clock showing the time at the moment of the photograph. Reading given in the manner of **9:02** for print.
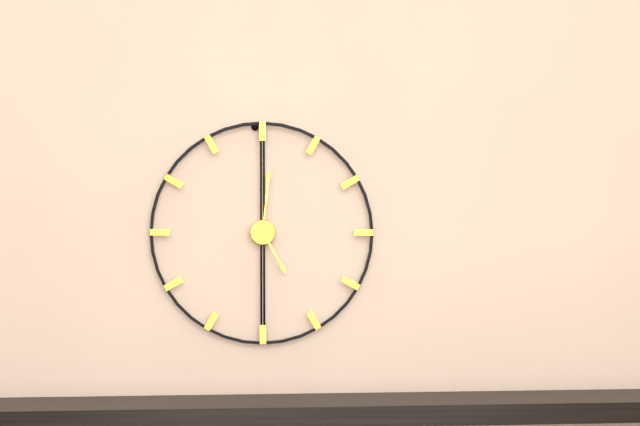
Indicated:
**5:01**
